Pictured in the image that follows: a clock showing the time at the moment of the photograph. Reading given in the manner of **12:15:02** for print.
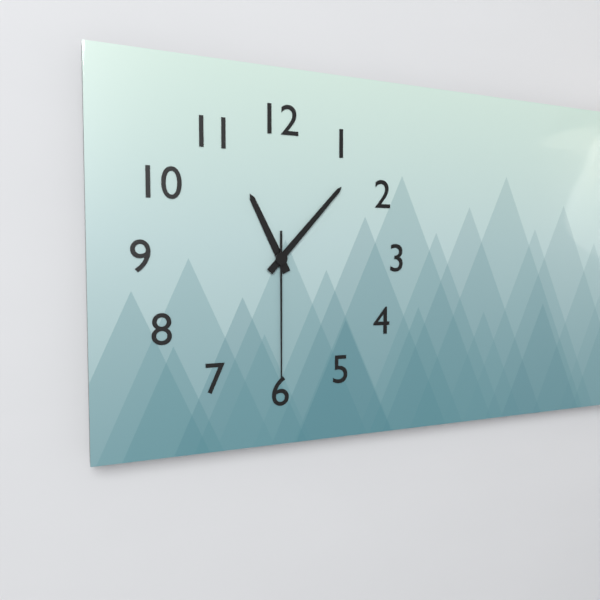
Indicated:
**11:07:30**
